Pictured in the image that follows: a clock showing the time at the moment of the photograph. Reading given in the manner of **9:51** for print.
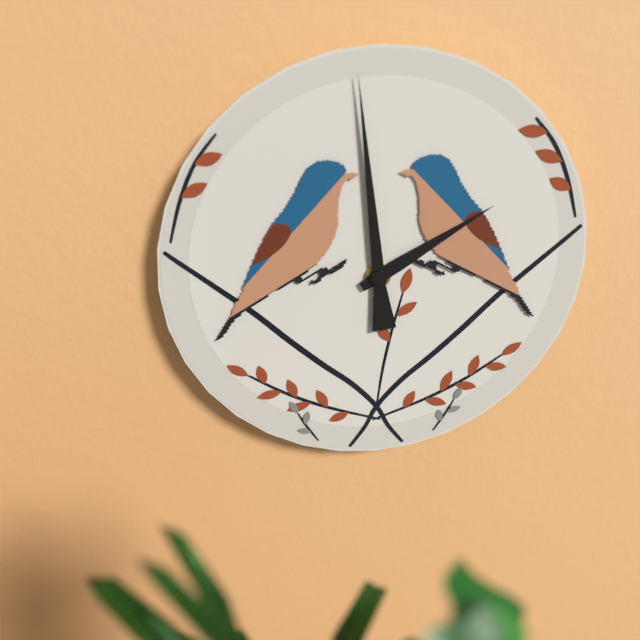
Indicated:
**1:59**
